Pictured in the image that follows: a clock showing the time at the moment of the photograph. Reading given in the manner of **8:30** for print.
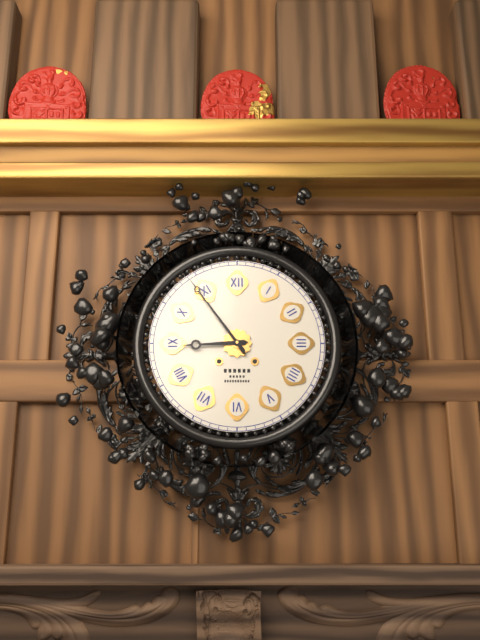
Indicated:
**8:54**
